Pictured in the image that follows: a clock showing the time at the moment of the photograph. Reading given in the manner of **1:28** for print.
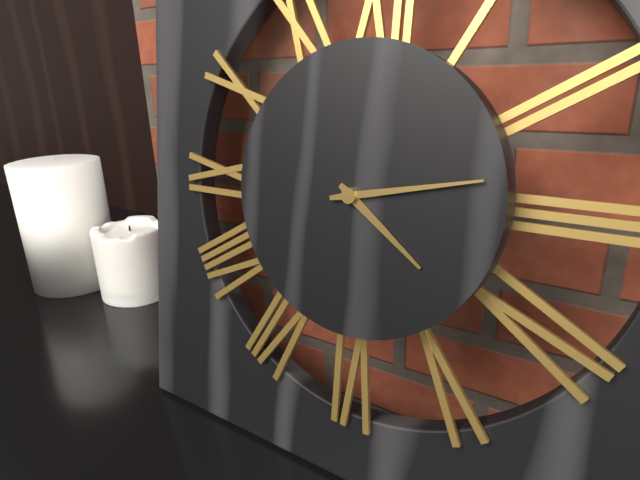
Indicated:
**4:13**
